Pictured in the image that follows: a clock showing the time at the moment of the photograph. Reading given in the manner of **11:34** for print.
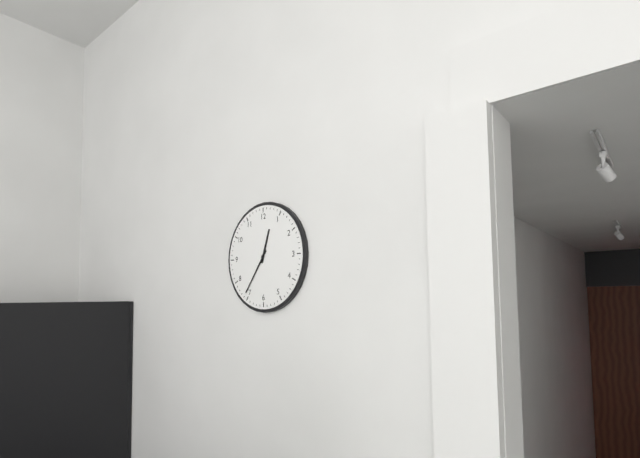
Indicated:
**12:36**
